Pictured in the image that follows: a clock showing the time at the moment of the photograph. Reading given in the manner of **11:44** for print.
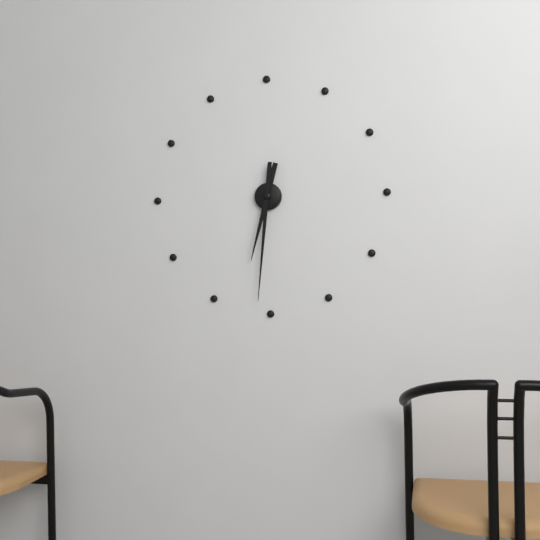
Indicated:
**6:31**
